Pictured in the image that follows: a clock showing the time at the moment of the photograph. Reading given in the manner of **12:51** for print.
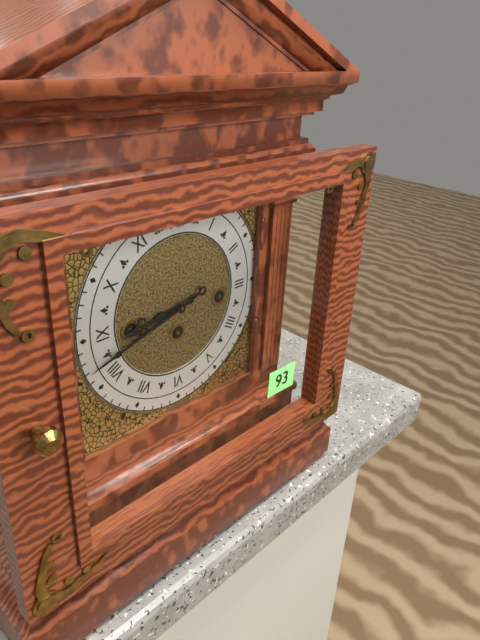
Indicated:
**8:42**
